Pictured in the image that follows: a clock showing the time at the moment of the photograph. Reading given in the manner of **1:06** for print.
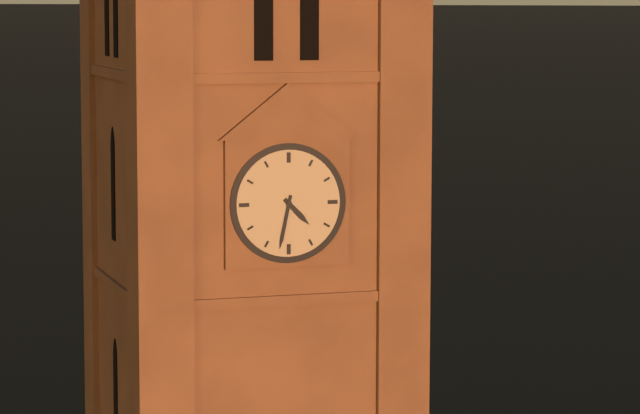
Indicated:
**4:32**
